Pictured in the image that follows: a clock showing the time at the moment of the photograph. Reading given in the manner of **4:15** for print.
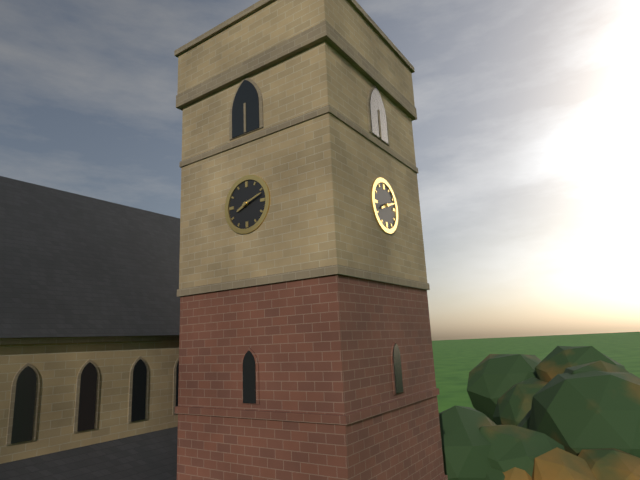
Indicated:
**8:12**
